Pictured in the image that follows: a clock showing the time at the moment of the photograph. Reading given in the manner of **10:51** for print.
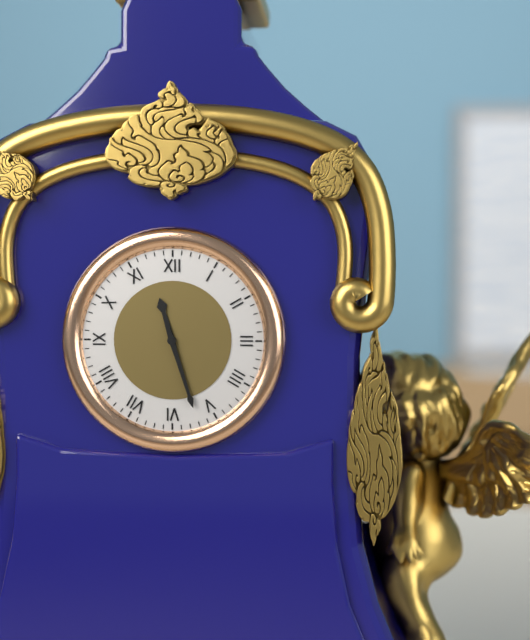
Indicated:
**11:27**
